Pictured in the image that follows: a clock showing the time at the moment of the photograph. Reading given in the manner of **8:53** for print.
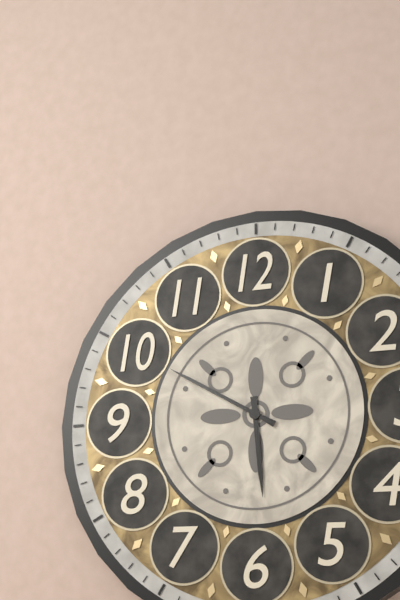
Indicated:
**5:50**
